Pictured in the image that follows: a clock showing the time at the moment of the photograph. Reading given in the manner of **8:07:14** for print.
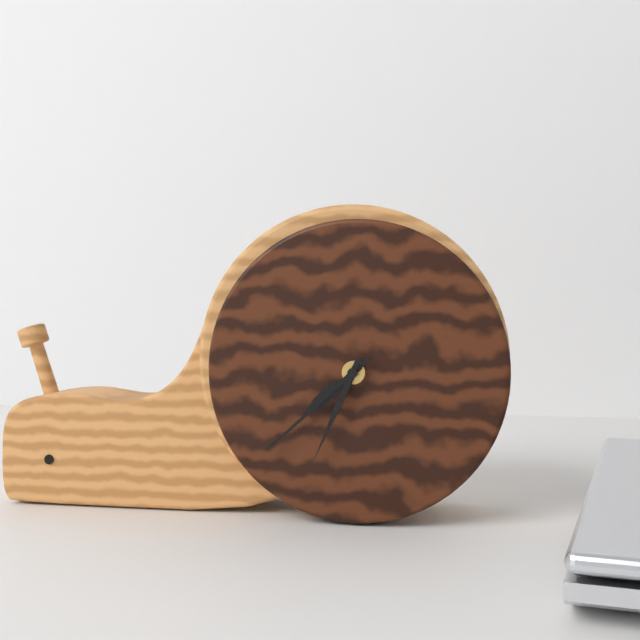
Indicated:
**7:38:34**
